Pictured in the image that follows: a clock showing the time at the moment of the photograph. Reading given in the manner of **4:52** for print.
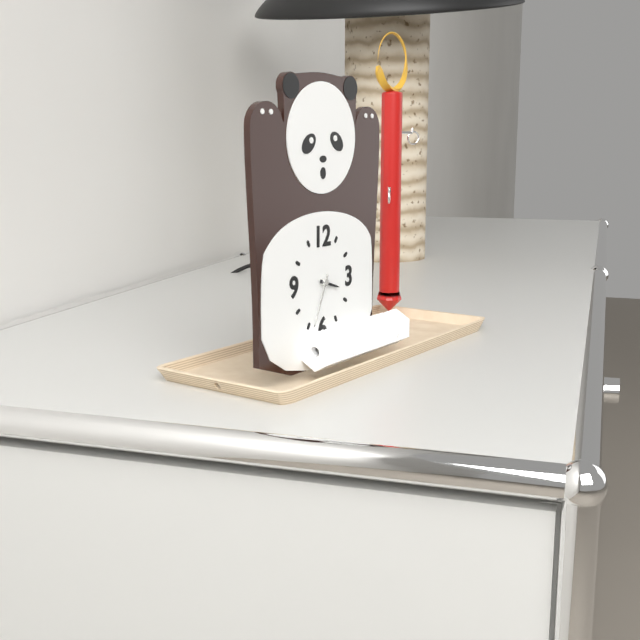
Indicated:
**3:34**
